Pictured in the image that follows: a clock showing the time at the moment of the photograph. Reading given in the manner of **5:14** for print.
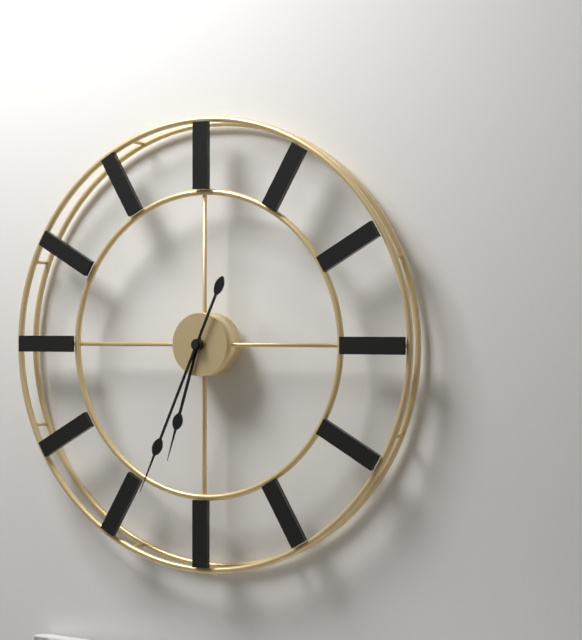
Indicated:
**6:34**
